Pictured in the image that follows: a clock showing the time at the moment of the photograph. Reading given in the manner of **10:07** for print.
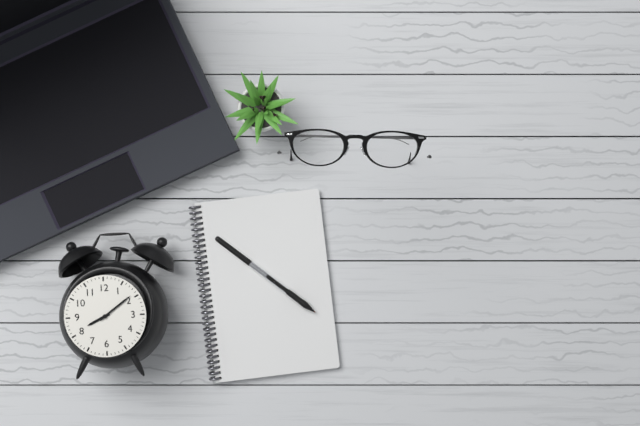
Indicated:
**8:09**
